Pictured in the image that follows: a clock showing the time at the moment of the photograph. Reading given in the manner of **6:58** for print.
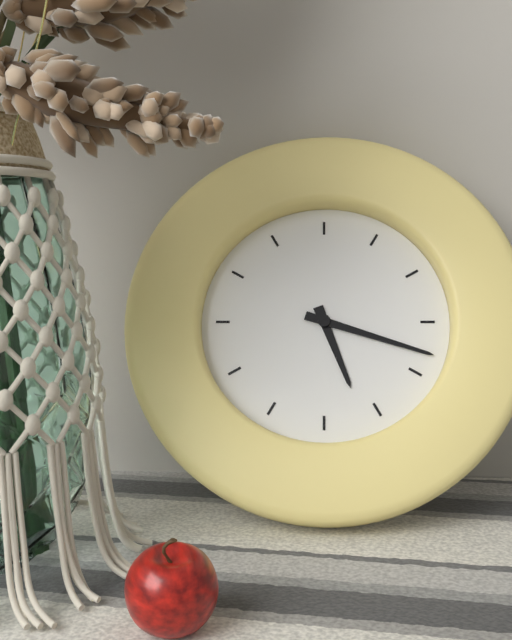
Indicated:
**5:18**
